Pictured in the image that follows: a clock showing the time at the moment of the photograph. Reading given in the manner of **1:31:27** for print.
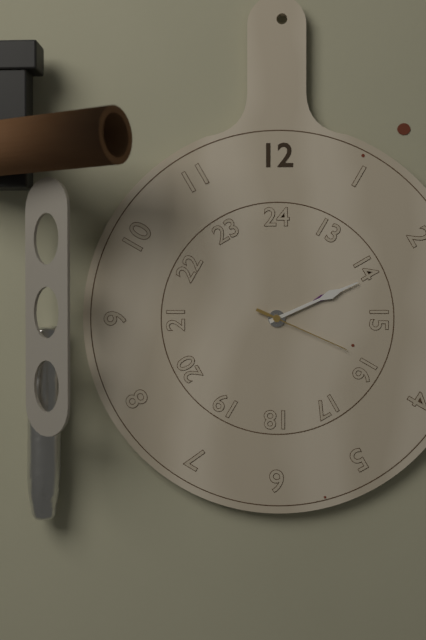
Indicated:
**2:11:19**
